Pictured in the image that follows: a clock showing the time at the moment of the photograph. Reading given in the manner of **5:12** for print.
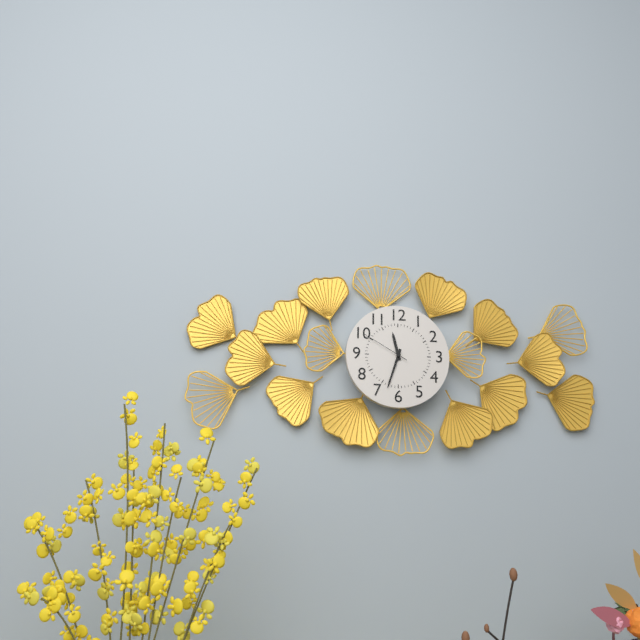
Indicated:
**11:33**
